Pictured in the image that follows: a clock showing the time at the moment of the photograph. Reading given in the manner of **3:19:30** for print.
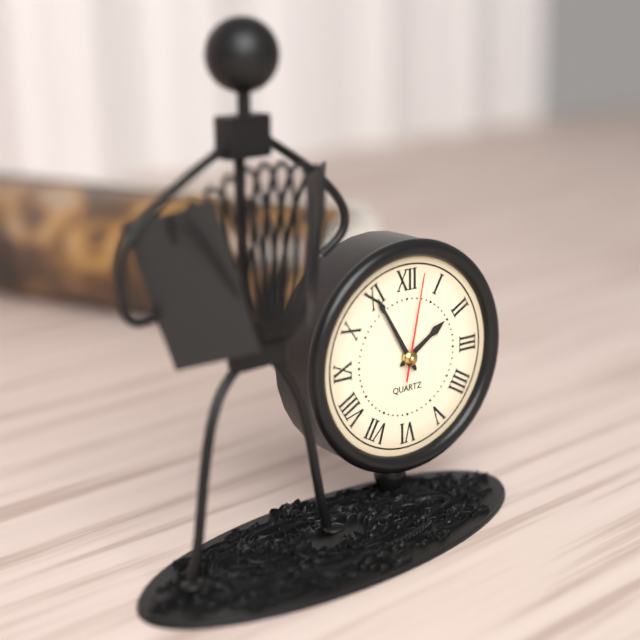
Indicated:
**1:55:02**
